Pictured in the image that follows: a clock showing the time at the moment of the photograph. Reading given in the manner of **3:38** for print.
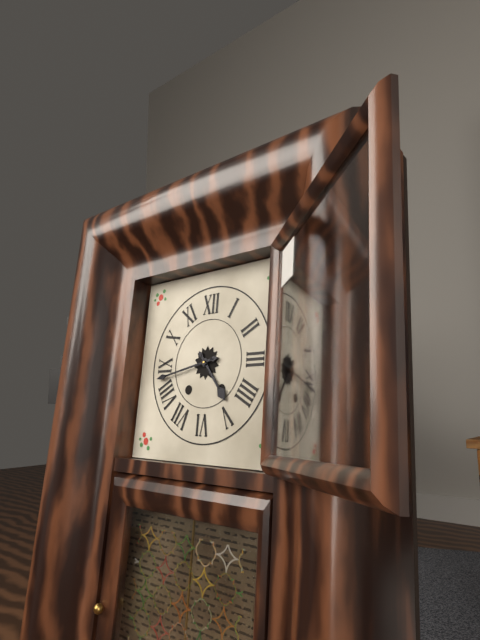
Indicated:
**4:43**
